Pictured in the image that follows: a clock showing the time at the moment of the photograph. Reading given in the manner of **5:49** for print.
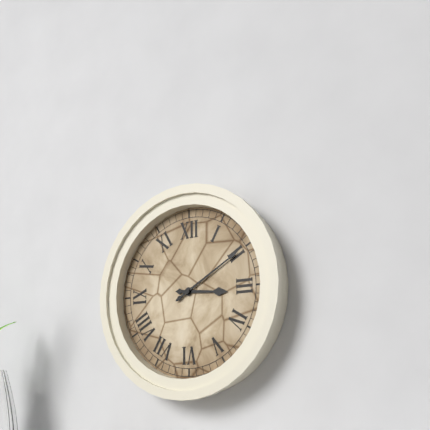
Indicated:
**3:10**
